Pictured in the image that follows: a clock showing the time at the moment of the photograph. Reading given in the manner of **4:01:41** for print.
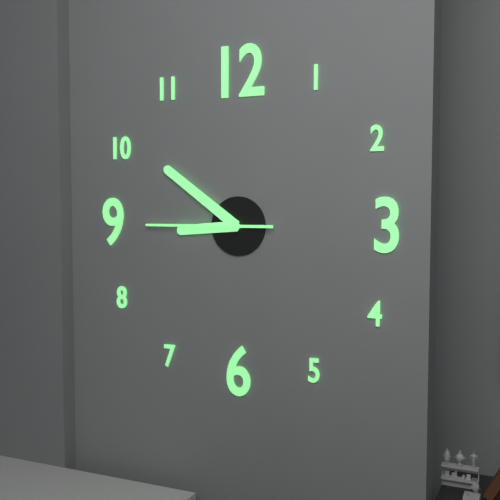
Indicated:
**8:51:45**
